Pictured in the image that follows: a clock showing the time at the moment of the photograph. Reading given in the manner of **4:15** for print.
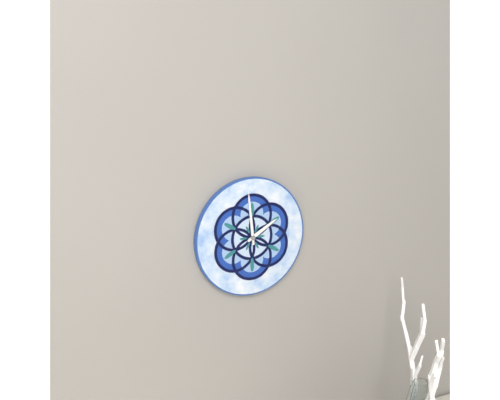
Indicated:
**1:59**
